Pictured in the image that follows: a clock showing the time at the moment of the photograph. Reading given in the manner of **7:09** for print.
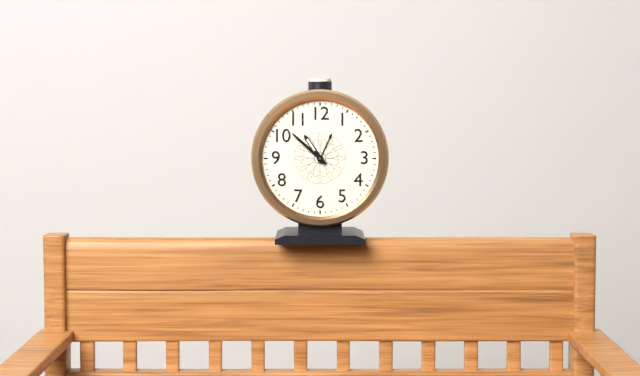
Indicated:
**10:52**
